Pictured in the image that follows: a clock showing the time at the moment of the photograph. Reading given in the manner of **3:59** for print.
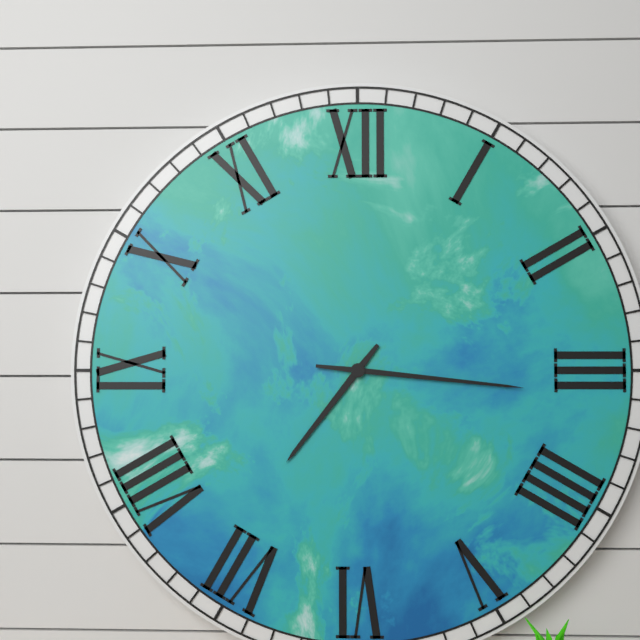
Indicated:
**7:16**
